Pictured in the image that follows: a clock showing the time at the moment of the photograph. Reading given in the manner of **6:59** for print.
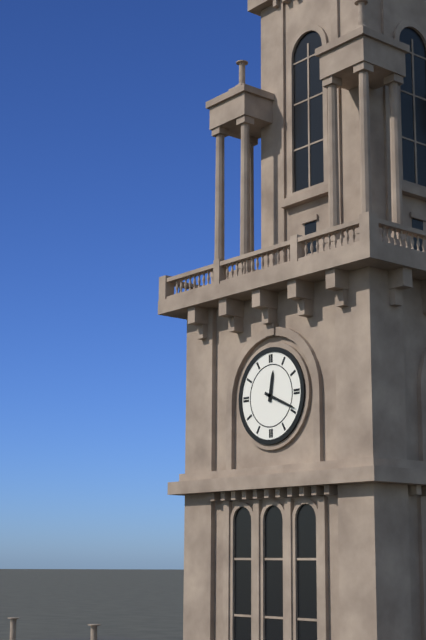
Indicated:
**12:19**
